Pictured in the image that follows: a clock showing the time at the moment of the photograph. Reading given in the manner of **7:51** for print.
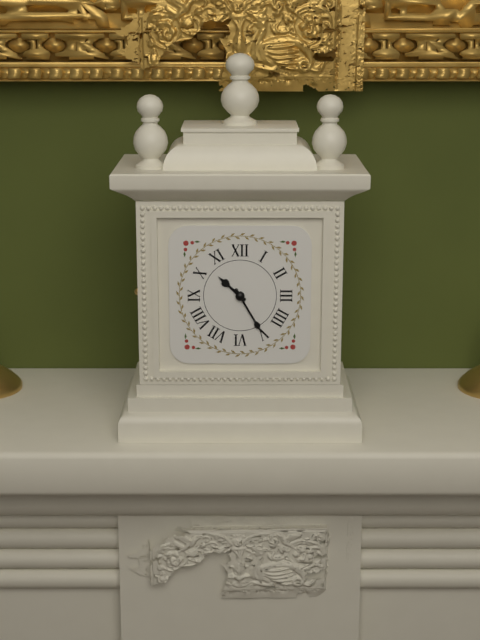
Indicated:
**10:25**
